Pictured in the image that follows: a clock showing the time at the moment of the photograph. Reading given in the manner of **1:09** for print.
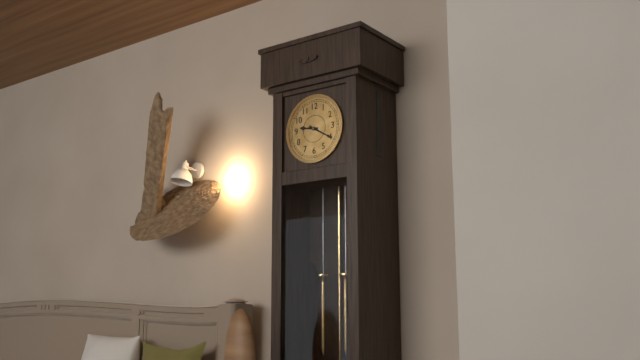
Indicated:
**9:20**
